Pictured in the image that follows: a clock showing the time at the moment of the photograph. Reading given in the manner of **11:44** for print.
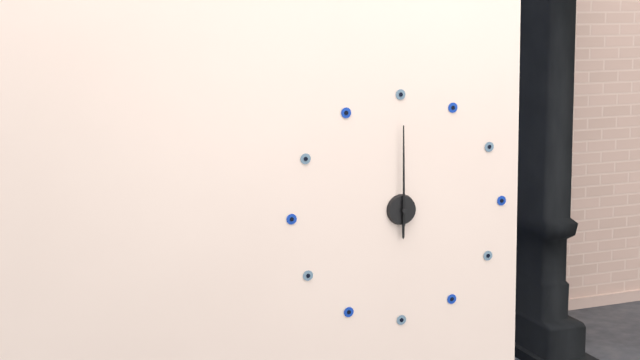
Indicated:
**6:00**
